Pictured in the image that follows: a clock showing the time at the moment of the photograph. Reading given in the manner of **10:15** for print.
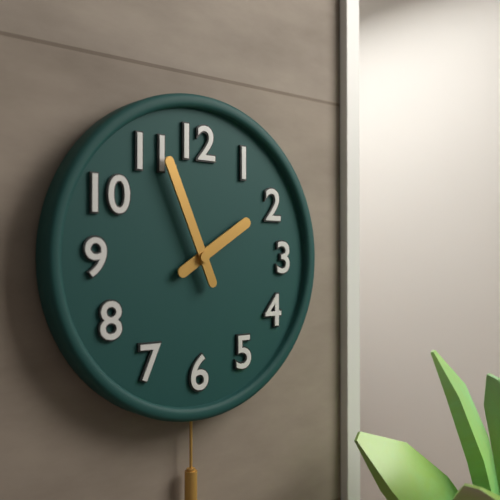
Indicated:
**1:56**
